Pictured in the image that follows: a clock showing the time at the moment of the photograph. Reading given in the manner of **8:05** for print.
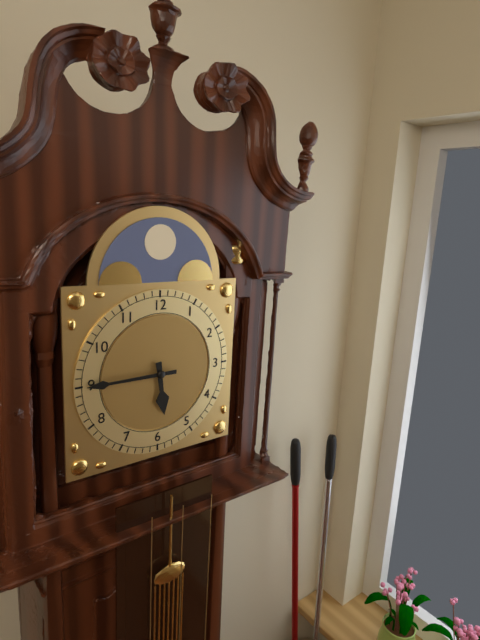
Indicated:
**5:45**
